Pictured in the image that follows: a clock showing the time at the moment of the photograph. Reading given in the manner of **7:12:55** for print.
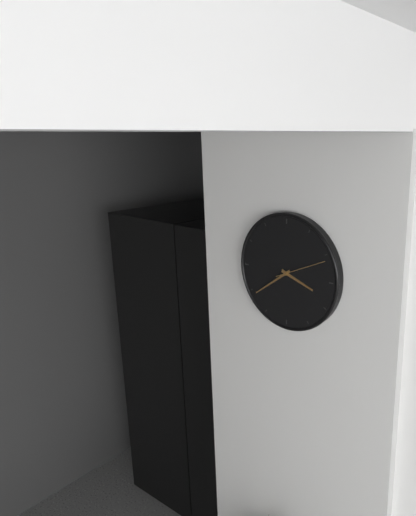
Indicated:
**3:39:11**
